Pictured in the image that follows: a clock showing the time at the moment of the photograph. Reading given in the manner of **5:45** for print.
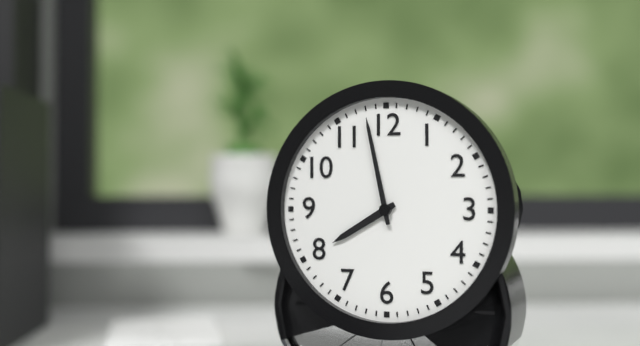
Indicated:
**7:58**
